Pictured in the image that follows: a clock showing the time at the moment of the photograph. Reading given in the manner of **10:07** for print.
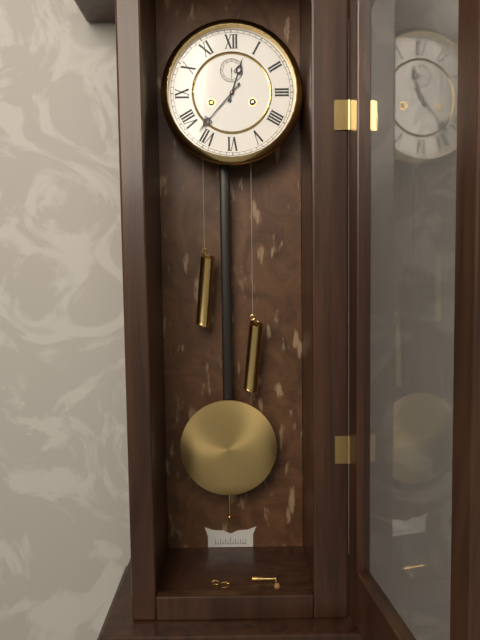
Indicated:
**12:37**
